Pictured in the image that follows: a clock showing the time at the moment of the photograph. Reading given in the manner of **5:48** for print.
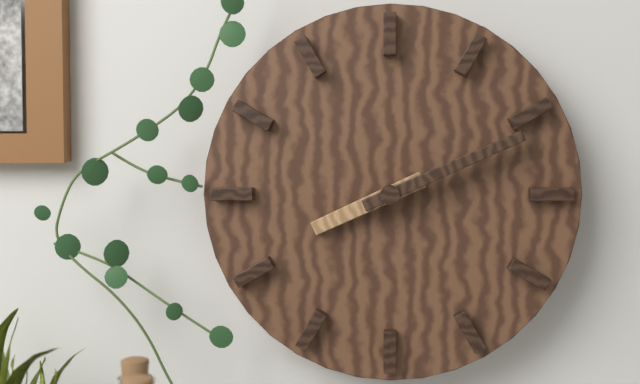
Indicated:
**8:11**
